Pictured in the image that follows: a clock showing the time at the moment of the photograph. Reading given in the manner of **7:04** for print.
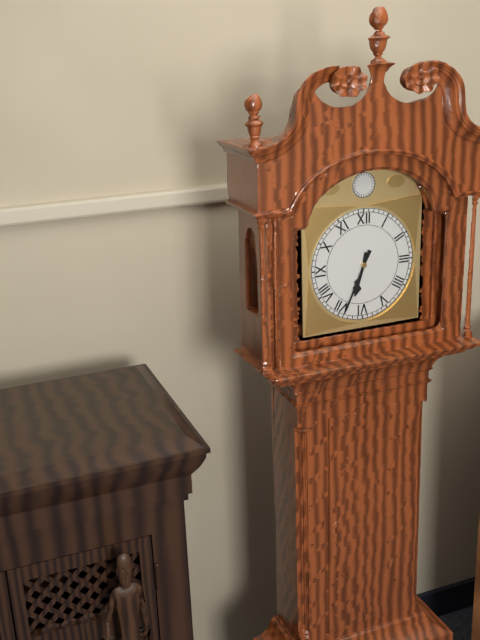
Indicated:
**6:34**
